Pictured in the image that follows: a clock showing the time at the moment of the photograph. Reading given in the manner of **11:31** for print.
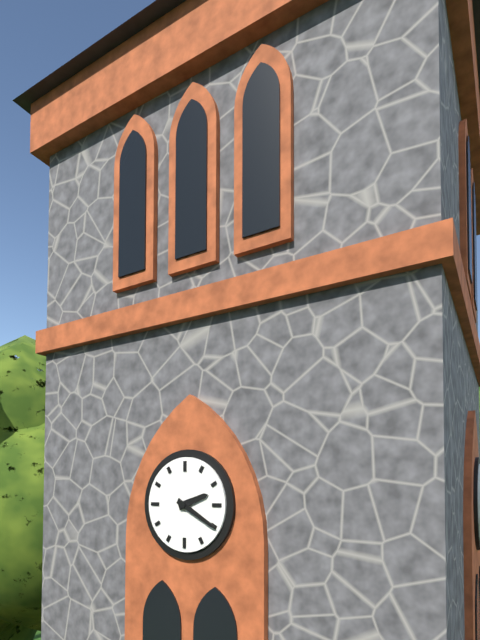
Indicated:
**2:20**
